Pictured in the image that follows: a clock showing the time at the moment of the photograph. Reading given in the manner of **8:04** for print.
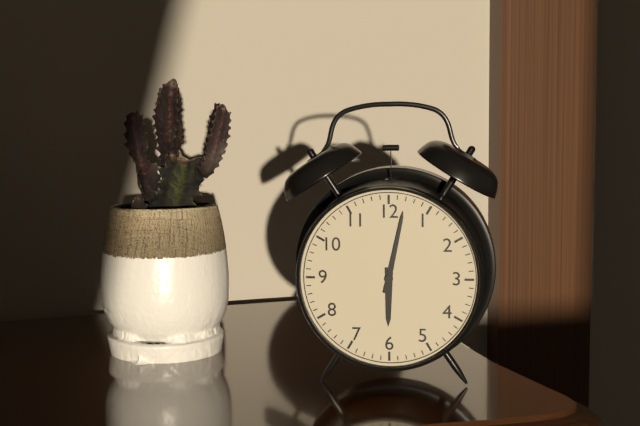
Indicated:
**6:02**
